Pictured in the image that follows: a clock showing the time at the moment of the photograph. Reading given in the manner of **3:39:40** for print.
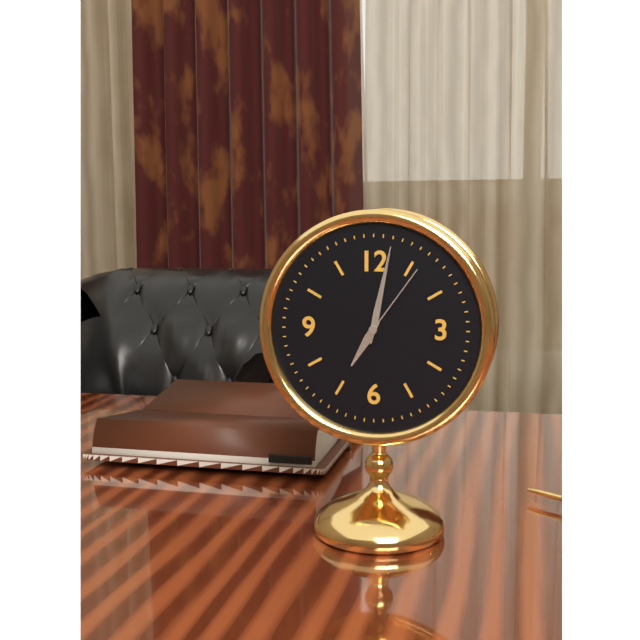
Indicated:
**7:02:06**
